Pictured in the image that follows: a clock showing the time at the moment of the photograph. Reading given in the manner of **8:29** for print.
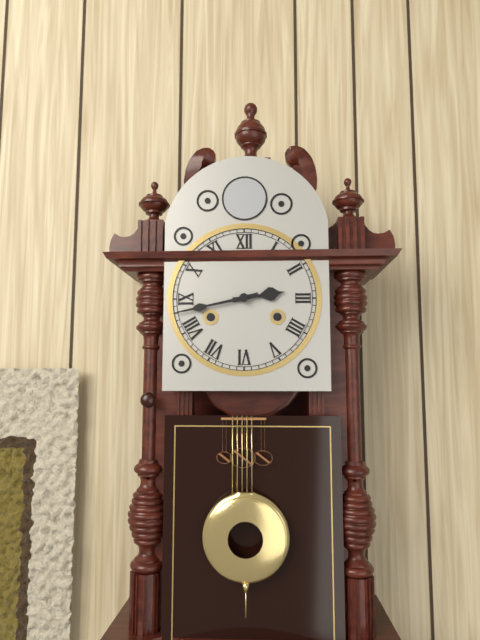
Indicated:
**2:43**
